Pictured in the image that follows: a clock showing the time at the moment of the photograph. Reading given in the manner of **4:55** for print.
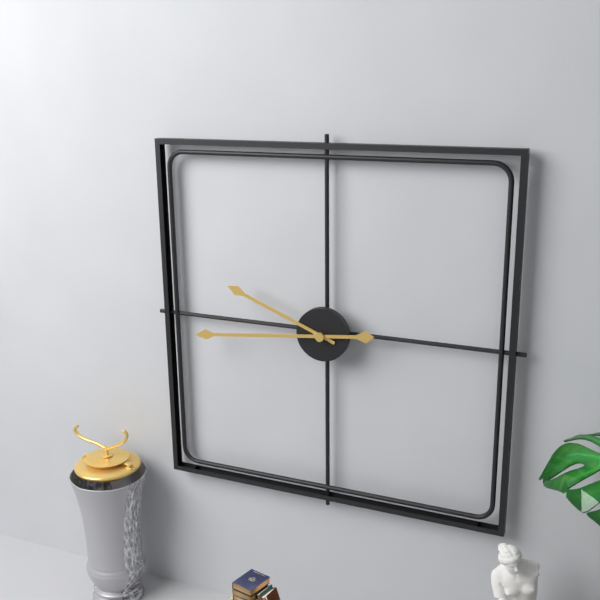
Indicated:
**9:44**
